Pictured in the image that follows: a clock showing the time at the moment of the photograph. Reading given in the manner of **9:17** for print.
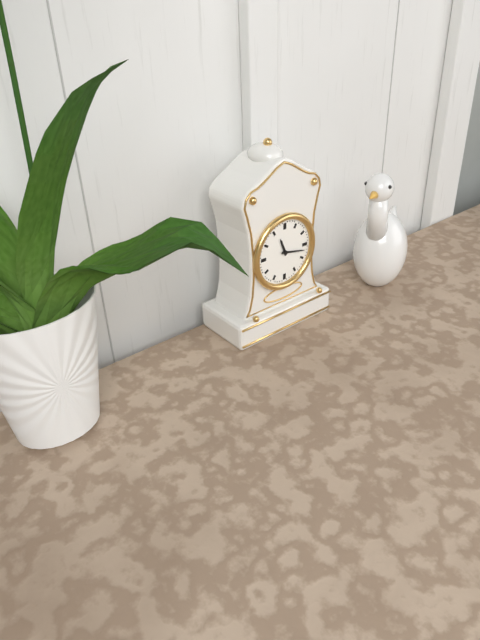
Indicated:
**11:17**
